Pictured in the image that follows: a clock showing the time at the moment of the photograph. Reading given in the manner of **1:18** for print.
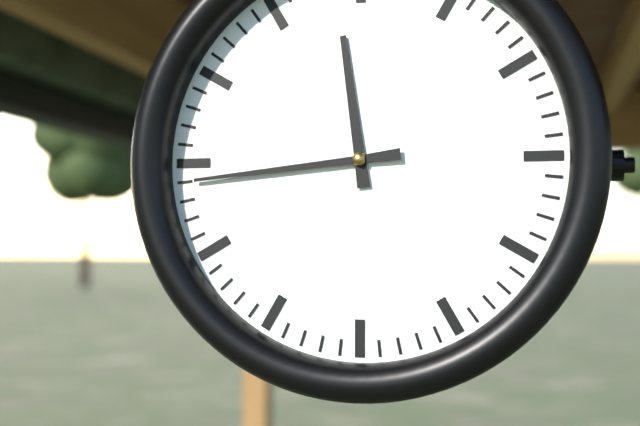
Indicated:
**11:44**
